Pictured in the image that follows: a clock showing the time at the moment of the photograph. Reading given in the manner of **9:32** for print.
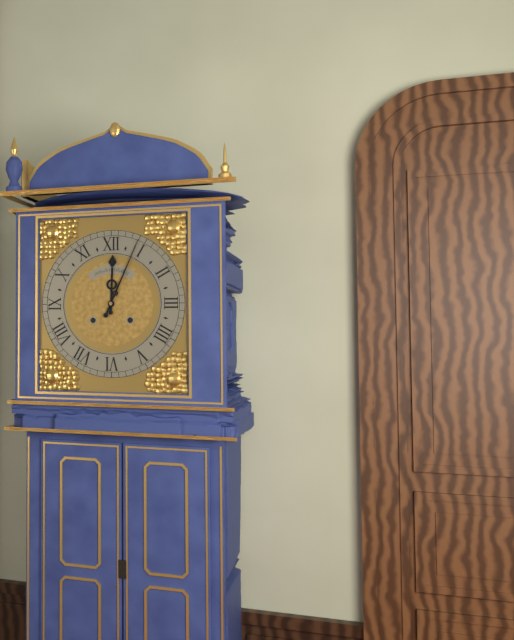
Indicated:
**12:04**
